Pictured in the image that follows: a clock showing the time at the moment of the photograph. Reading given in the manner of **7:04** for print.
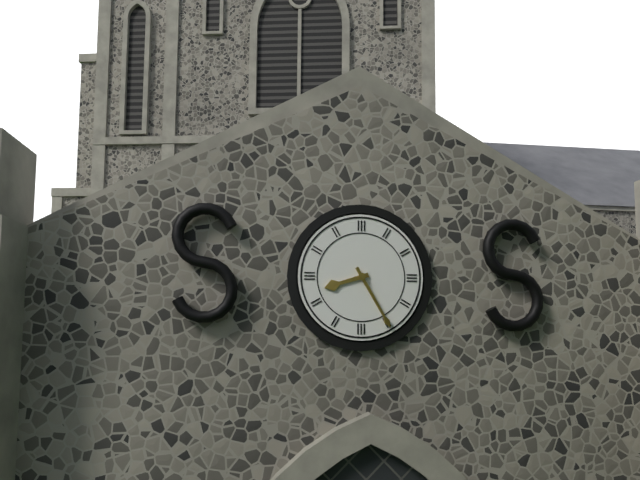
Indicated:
**8:25**
